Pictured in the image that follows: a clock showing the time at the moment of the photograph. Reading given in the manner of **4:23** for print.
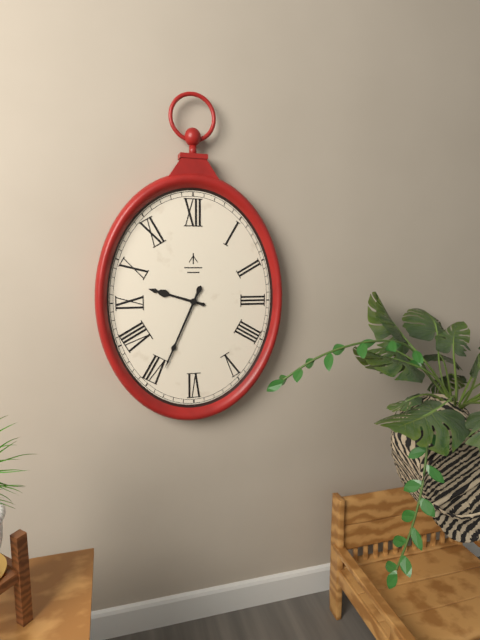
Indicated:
**9:34**
